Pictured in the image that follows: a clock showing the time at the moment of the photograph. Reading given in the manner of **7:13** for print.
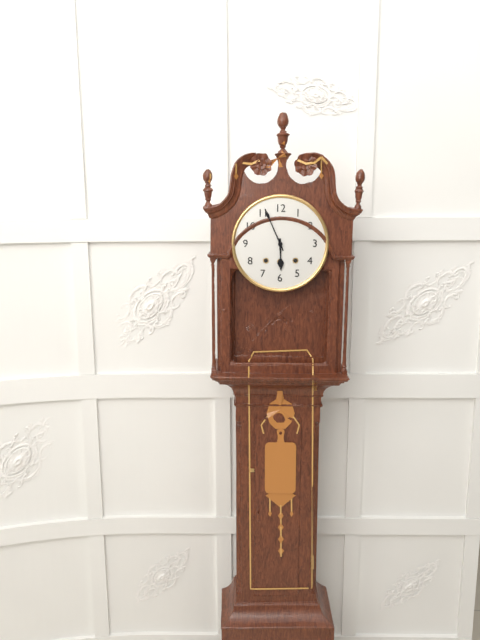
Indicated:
**5:56**
